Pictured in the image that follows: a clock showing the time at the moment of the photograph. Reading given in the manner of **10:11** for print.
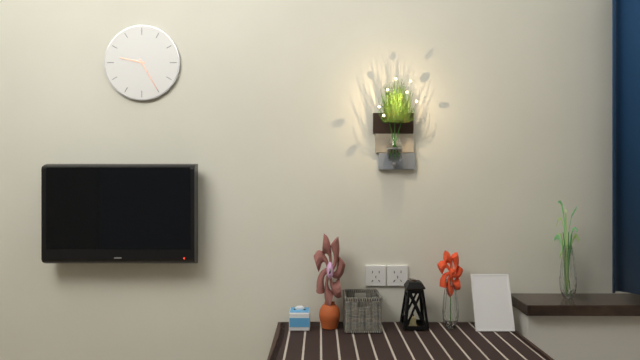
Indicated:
**9:25**
